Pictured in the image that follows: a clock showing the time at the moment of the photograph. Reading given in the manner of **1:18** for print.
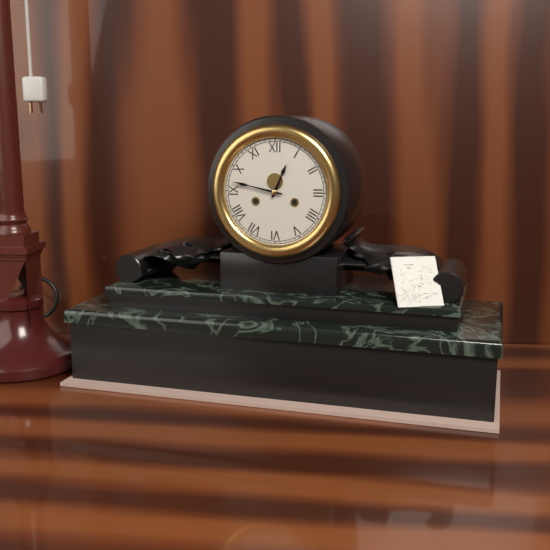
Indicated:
**12:47**
